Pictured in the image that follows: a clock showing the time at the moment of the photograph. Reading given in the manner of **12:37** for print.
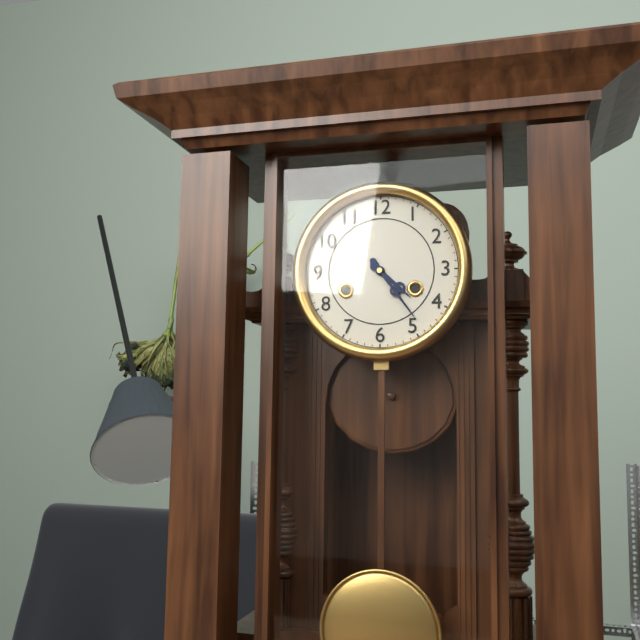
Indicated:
**4:24**
